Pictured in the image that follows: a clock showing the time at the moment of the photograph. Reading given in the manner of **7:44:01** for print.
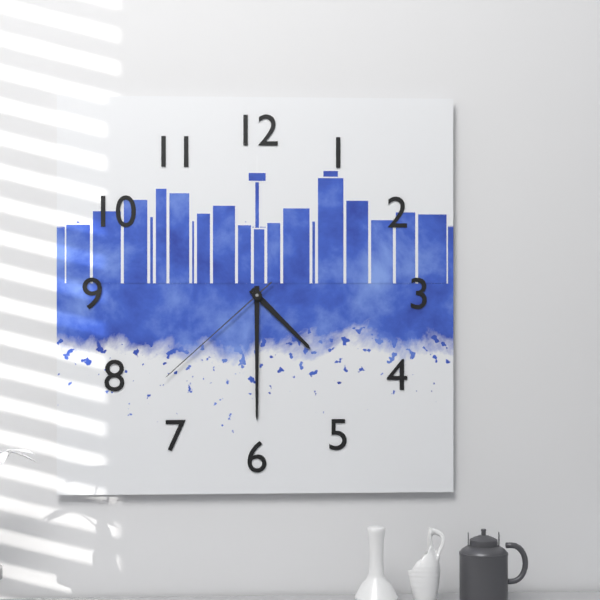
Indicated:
**4:30:38**
